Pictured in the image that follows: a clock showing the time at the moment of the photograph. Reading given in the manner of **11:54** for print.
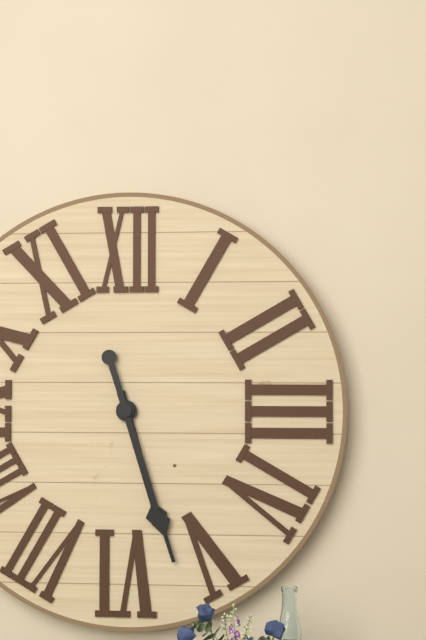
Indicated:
**5:27**
